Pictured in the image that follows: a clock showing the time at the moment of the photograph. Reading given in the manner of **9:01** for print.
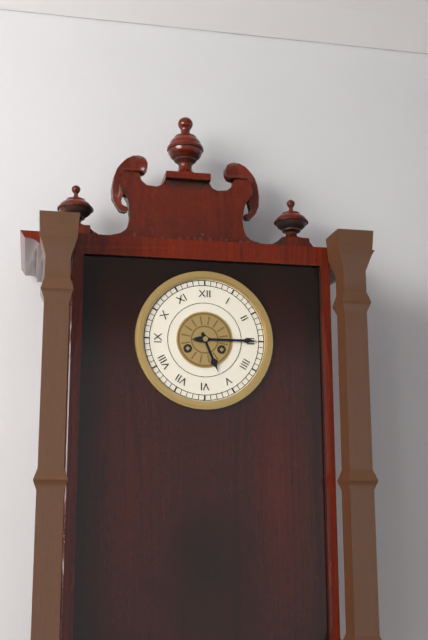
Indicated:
**5:15**
